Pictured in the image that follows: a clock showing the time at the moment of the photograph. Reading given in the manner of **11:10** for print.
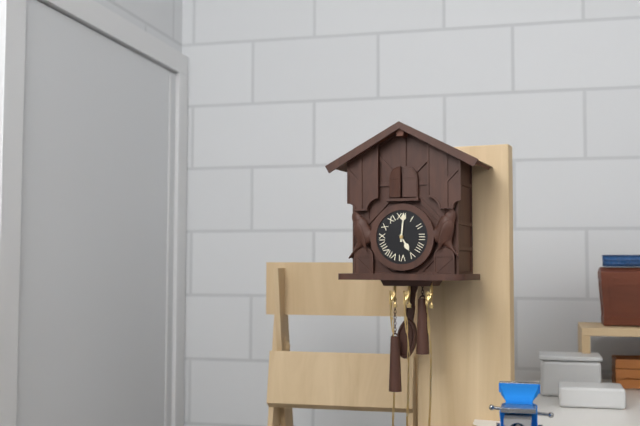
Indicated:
**5:01**
